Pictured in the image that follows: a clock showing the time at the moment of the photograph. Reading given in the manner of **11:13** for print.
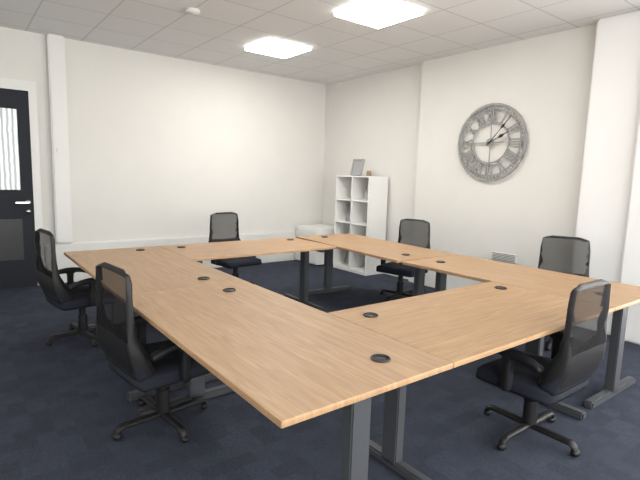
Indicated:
**2:07**
